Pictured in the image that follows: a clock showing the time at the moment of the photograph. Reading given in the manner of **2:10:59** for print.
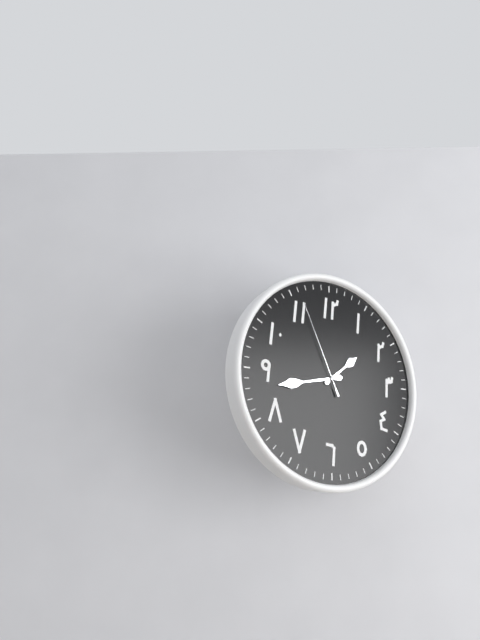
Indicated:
**1:43:56**
